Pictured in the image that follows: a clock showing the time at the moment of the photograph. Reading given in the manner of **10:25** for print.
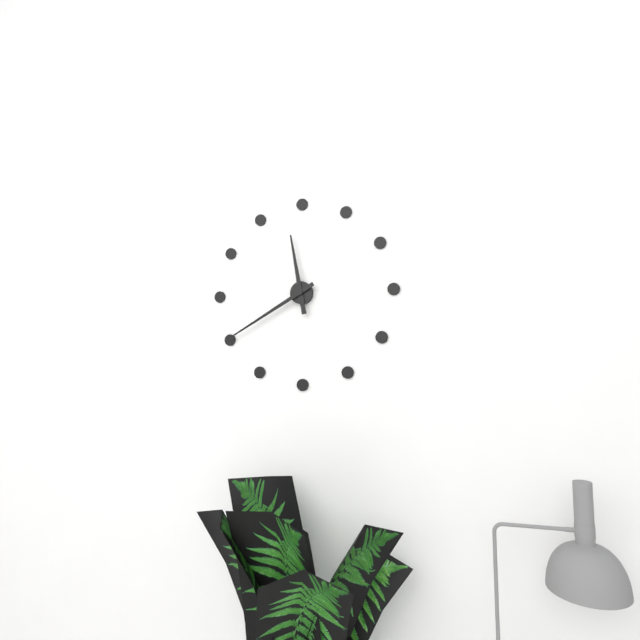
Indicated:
**11:40**
